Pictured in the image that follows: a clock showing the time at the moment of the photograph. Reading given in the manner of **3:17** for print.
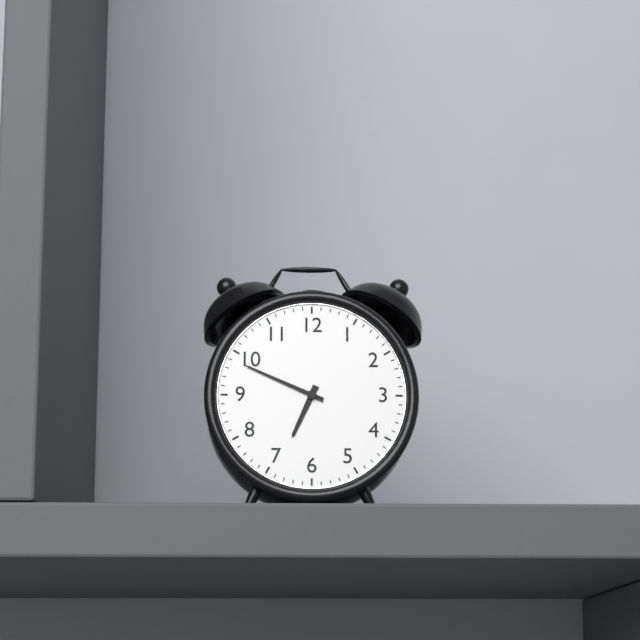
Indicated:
**6:49**
